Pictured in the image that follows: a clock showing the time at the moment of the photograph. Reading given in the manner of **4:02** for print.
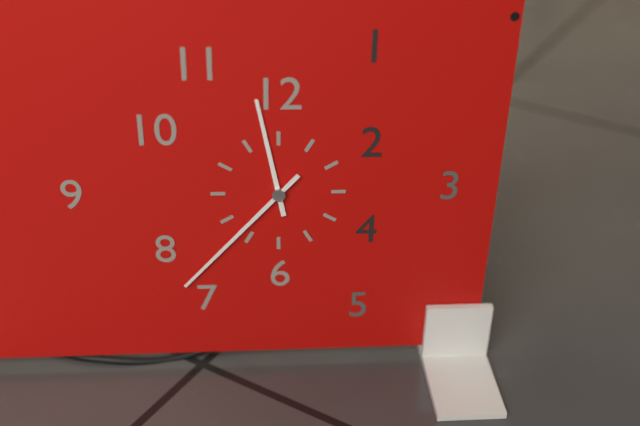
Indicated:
**11:37**
